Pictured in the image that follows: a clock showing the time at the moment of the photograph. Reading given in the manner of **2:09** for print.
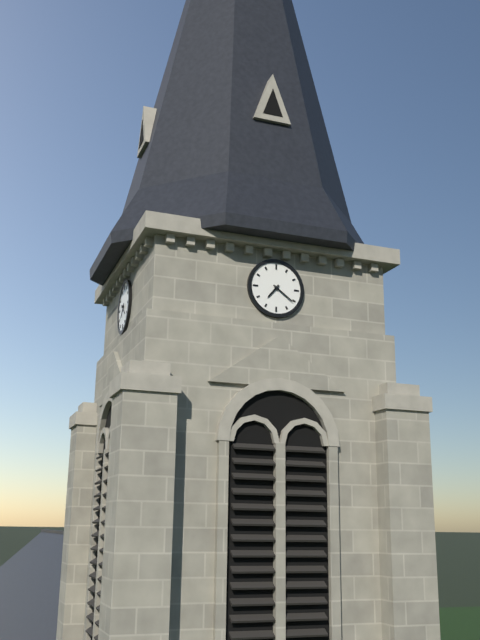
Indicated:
**7:21**
